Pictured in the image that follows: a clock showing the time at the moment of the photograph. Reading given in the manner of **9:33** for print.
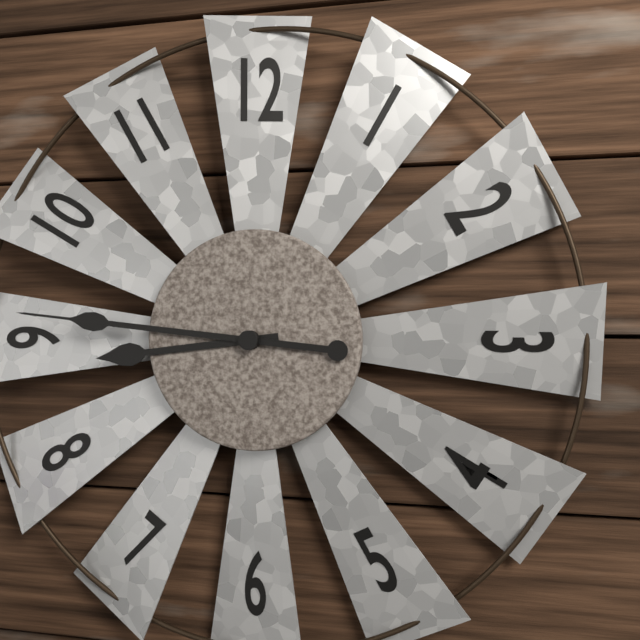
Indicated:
**8:46**
